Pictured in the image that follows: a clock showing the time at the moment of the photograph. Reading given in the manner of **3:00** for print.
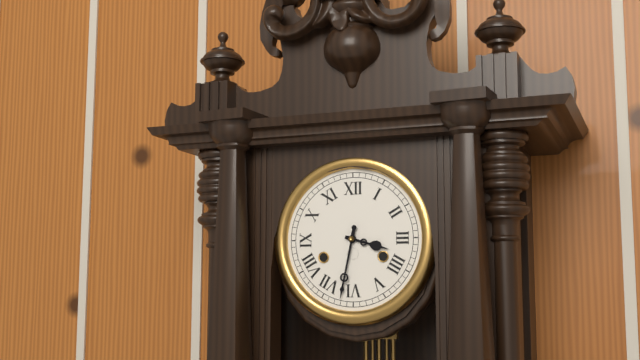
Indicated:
**3:32**
